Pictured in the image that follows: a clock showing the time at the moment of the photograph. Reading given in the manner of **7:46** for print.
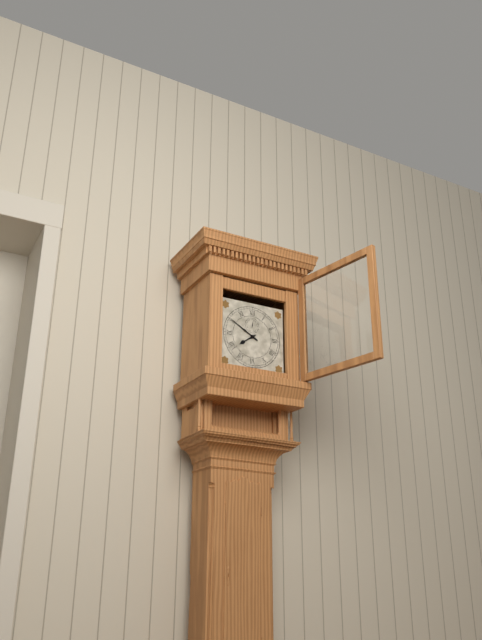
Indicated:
**7:50**
